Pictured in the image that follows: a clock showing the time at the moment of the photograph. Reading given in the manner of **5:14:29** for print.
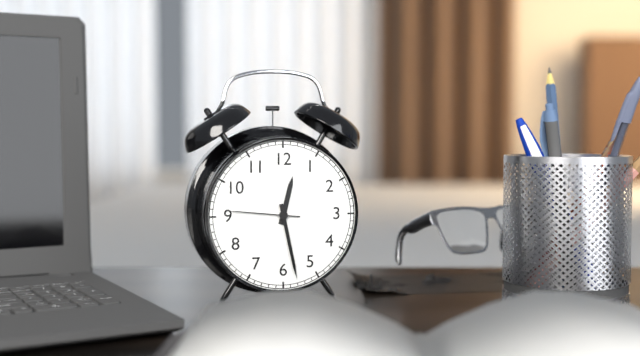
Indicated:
**12:28:46**
